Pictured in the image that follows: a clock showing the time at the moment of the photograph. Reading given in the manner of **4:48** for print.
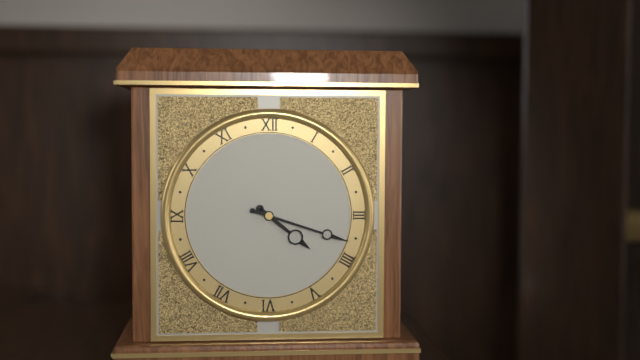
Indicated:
**4:18**
